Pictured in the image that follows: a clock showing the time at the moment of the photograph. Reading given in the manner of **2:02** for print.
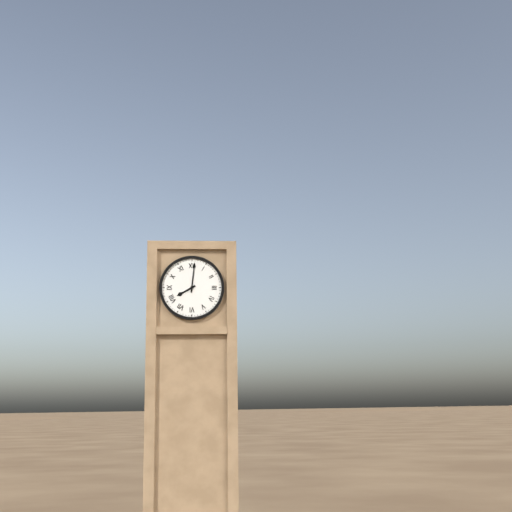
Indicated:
**8:01**
